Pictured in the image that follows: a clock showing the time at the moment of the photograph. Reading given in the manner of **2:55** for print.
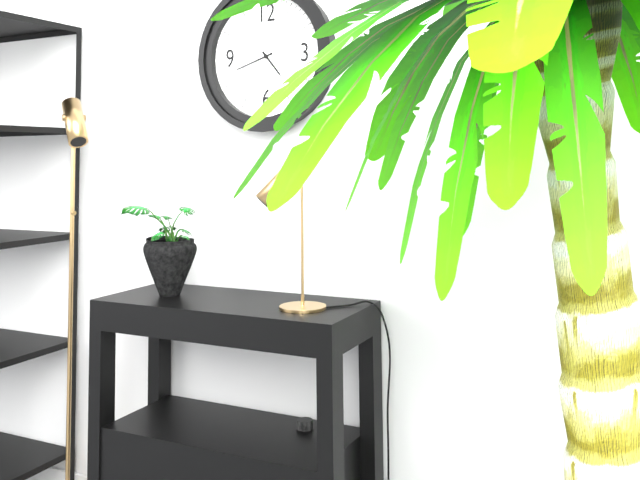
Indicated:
**4:42**
